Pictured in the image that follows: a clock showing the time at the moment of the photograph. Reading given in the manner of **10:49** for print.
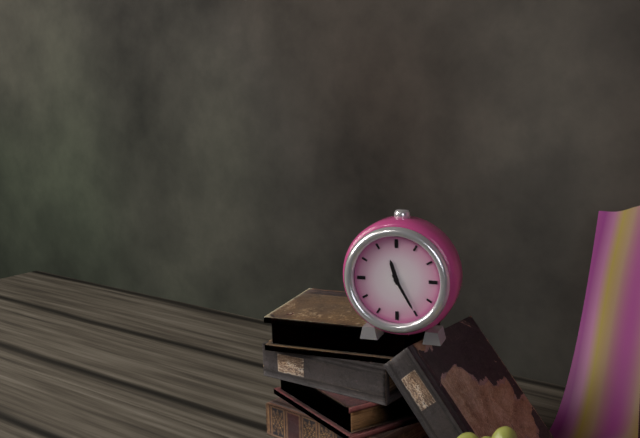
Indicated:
**11:25**
